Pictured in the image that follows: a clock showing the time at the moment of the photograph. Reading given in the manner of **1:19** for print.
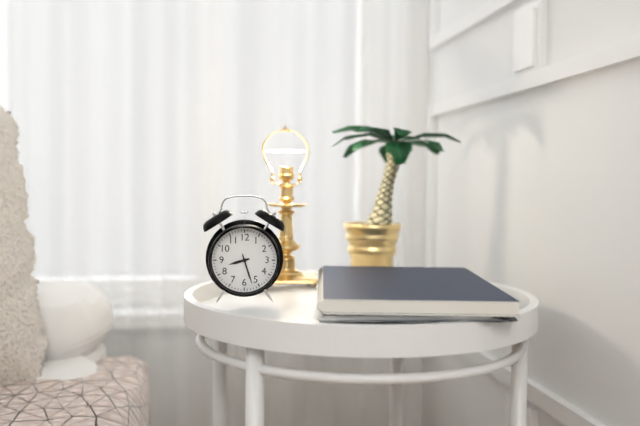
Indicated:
**8:27**
